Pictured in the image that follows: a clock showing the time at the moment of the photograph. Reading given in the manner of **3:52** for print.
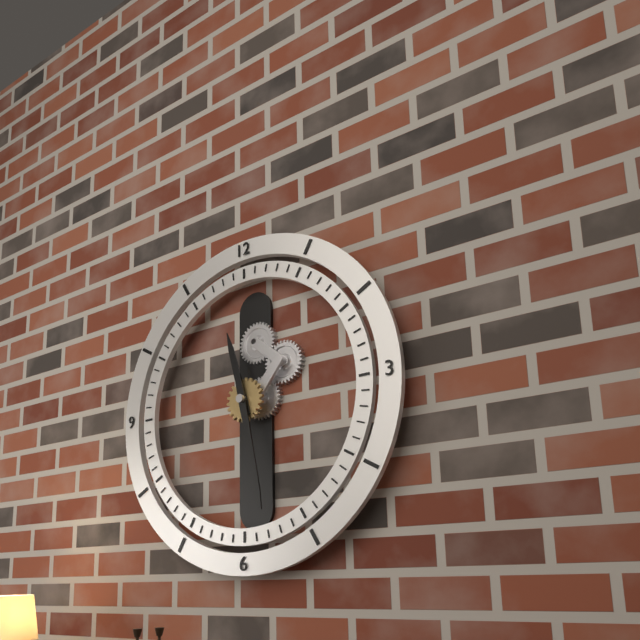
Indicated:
**11:28**
